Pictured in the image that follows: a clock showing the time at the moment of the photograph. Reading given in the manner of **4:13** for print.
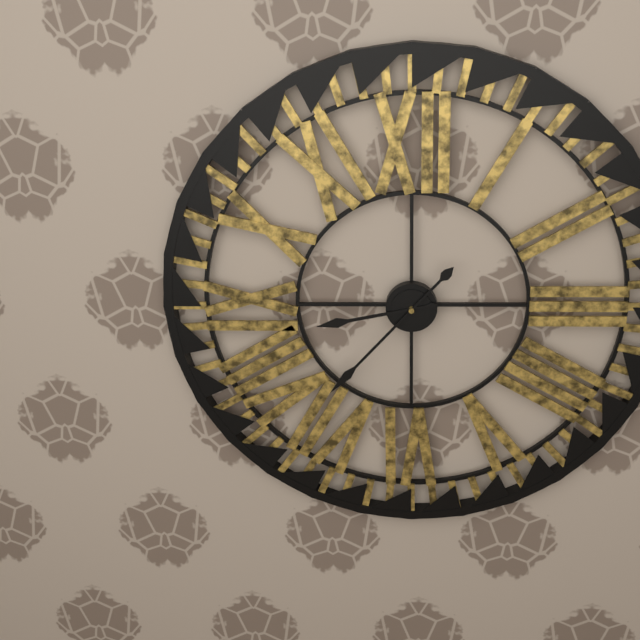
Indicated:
**8:37**
